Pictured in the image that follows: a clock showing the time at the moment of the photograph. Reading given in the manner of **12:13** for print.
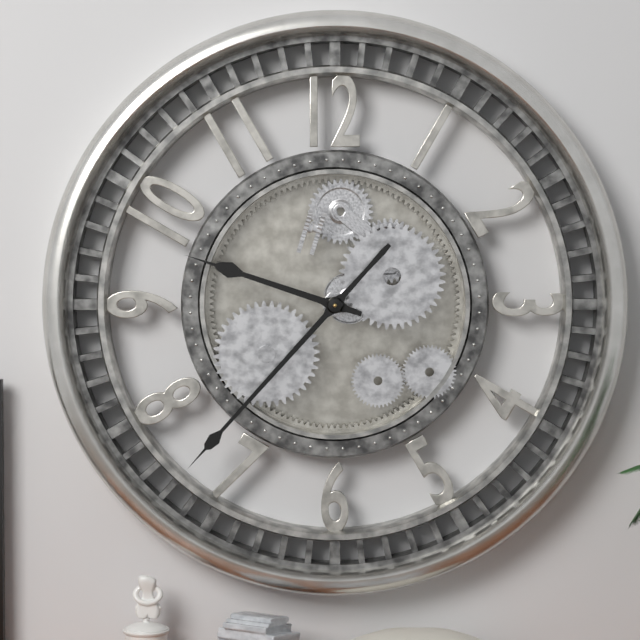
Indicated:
**9:37**
